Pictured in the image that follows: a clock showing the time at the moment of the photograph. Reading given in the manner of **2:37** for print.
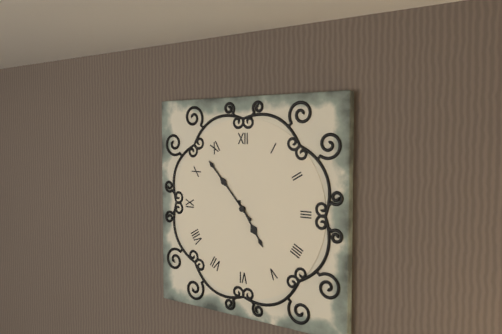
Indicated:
**4:53**
